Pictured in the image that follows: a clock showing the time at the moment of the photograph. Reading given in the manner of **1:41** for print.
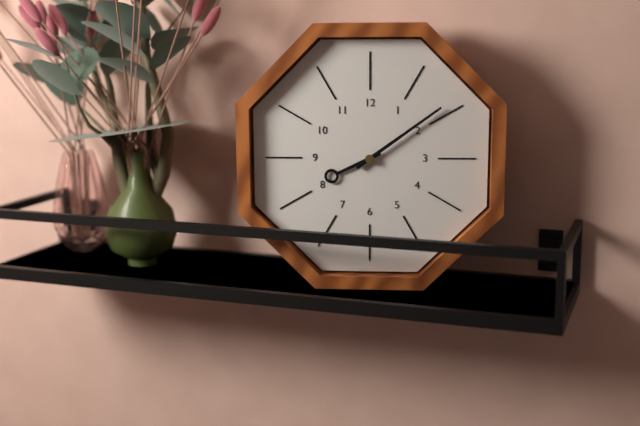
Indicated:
**8:09**
